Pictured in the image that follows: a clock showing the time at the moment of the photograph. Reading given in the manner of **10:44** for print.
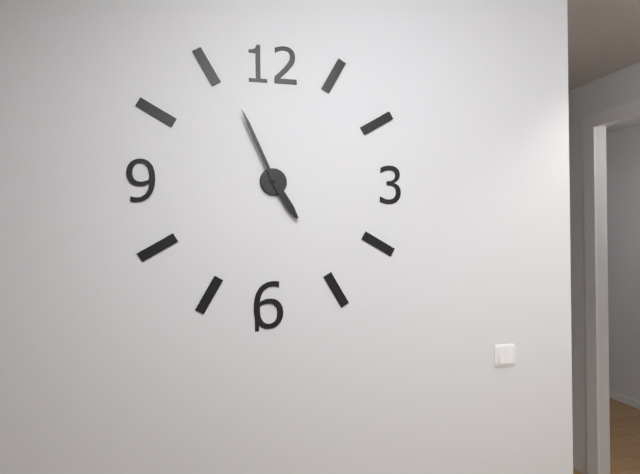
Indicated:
**4:56**
